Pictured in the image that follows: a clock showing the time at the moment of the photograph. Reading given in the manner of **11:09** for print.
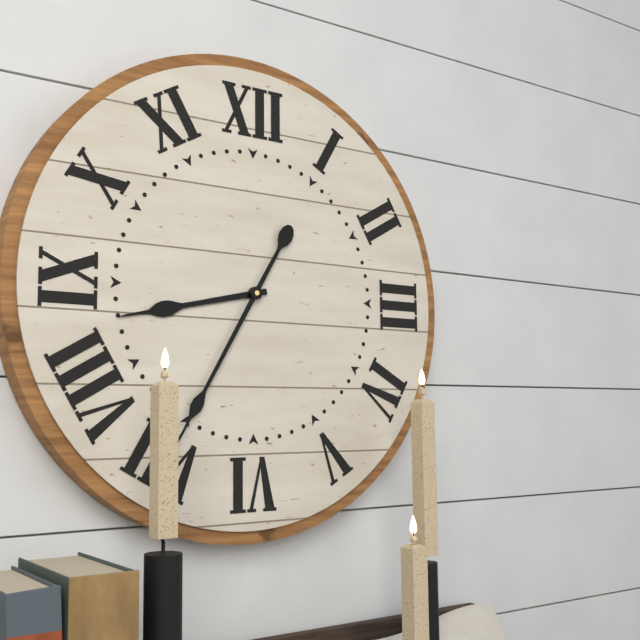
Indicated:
**8:35**
